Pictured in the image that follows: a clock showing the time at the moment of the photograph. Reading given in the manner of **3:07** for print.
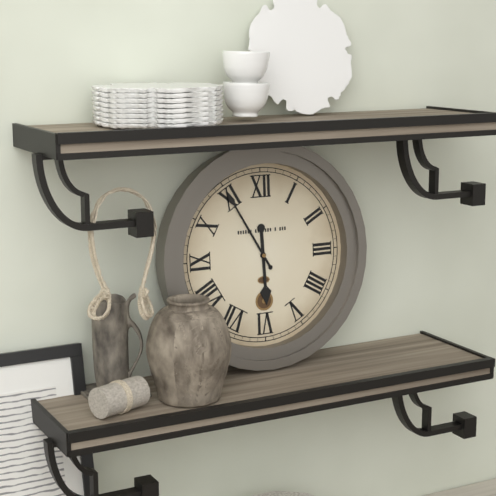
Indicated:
**5:55**
